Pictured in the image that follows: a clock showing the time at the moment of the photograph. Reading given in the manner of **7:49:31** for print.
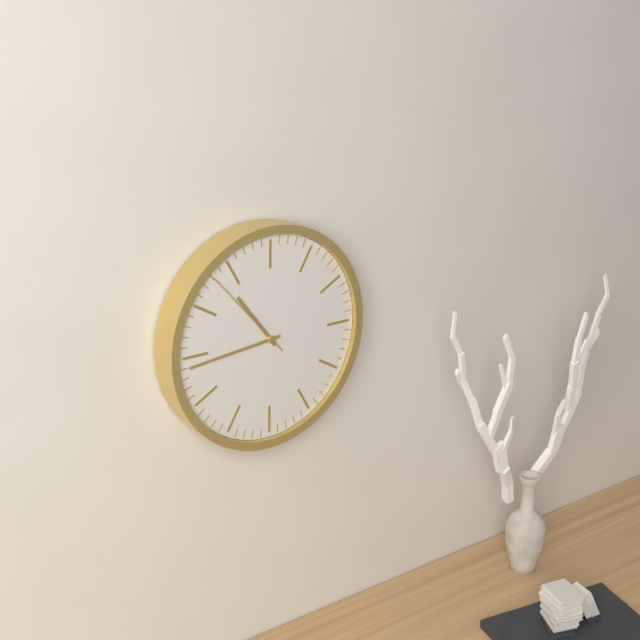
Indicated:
**10:44:53**
